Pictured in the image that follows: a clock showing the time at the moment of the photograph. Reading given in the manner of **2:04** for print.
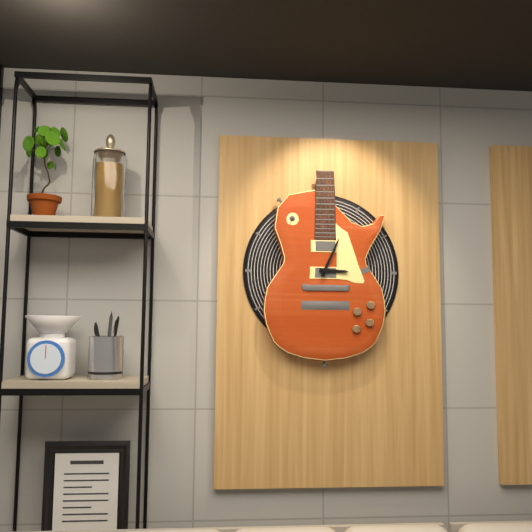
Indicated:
**3:04**
